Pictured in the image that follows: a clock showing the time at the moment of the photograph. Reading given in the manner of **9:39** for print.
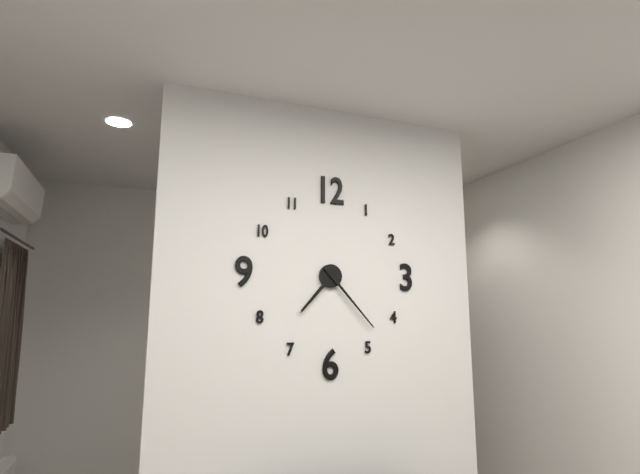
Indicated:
**7:23**
